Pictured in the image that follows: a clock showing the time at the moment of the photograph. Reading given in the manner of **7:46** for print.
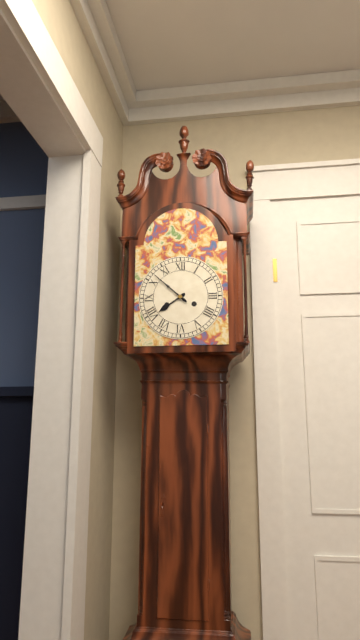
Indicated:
**7:52**
